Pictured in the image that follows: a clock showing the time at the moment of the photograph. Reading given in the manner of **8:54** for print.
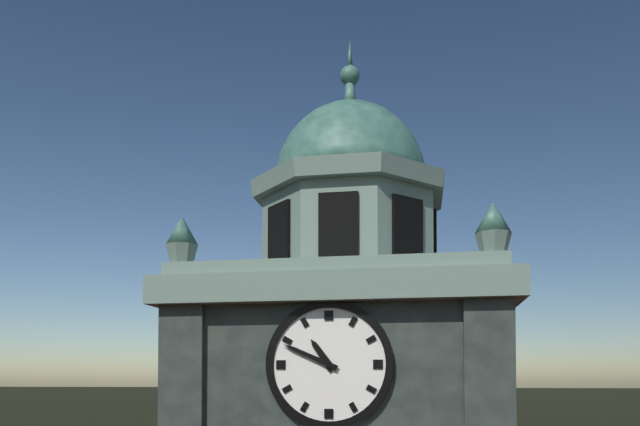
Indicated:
**10:49**
